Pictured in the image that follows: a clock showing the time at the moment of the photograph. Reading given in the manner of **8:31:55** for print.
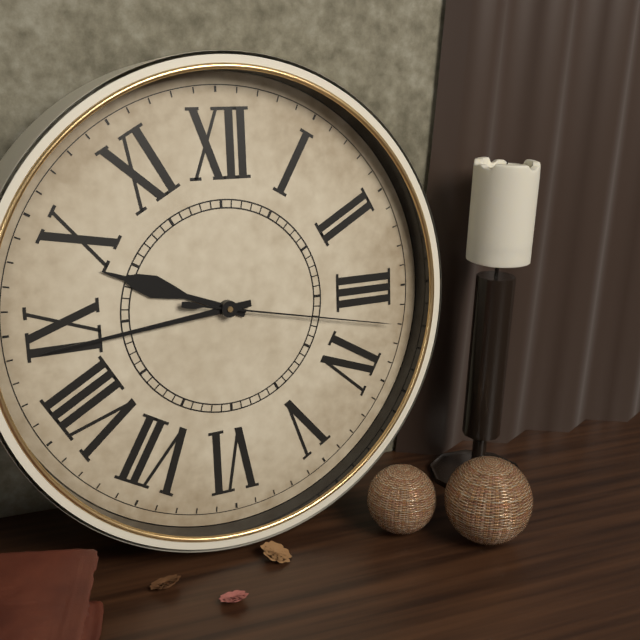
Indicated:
**9:44:17**
